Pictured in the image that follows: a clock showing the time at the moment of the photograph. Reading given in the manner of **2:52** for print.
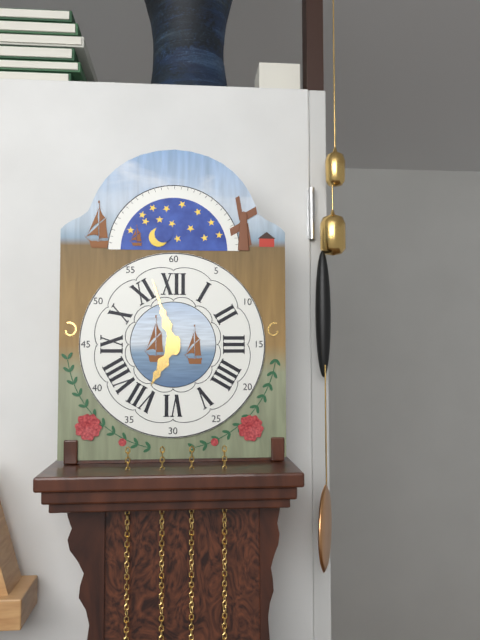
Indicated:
**6:57**
